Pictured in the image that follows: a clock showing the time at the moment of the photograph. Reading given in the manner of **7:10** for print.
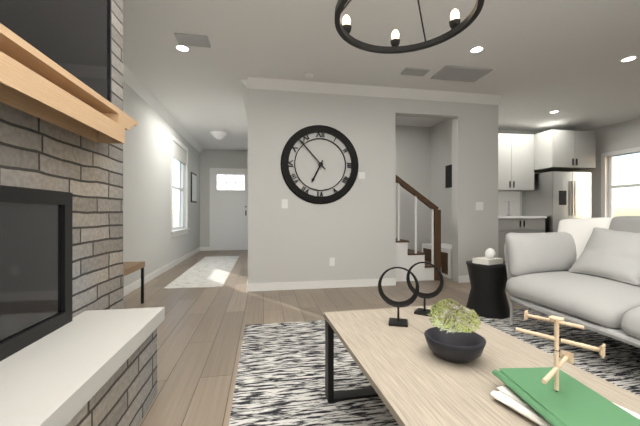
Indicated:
**6:53**
